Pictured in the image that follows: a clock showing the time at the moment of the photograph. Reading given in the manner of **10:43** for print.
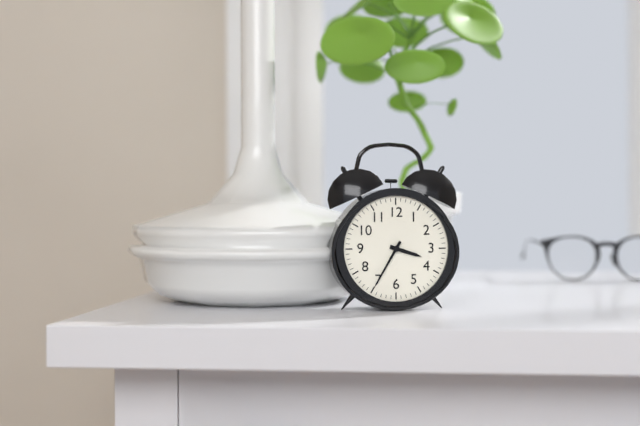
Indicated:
**3:35**
